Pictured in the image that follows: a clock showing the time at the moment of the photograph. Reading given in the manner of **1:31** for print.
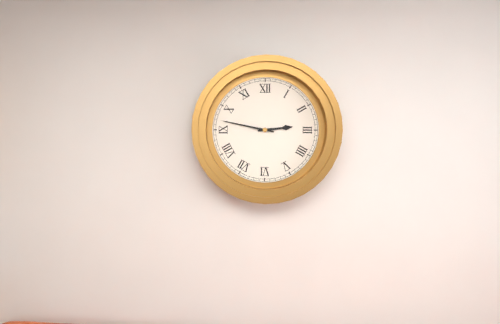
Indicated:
**2:47**
